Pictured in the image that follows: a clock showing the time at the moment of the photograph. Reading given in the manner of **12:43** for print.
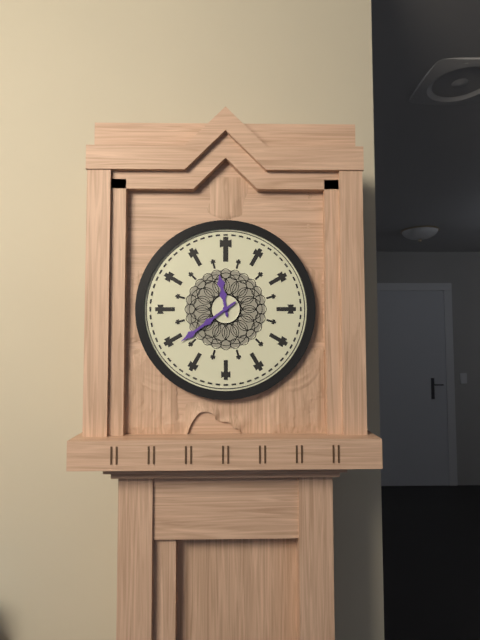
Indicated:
**11:39**
